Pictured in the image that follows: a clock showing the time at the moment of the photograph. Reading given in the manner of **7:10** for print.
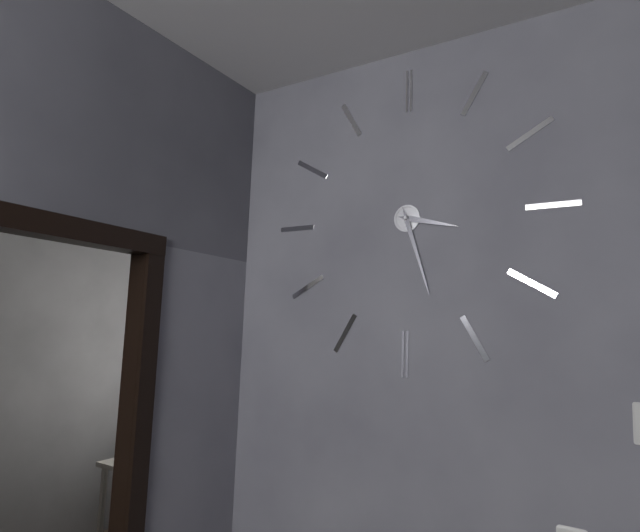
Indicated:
**3:27**
